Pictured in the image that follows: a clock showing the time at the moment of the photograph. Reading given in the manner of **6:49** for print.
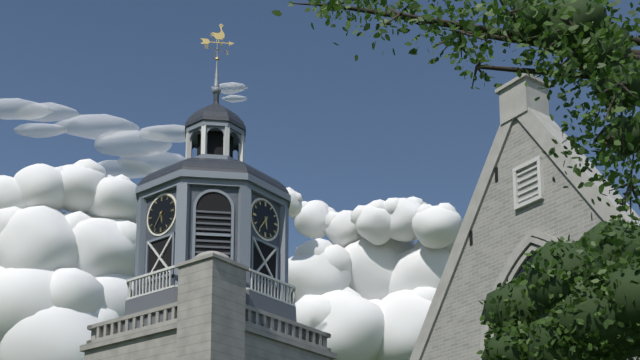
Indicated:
**5:36**
